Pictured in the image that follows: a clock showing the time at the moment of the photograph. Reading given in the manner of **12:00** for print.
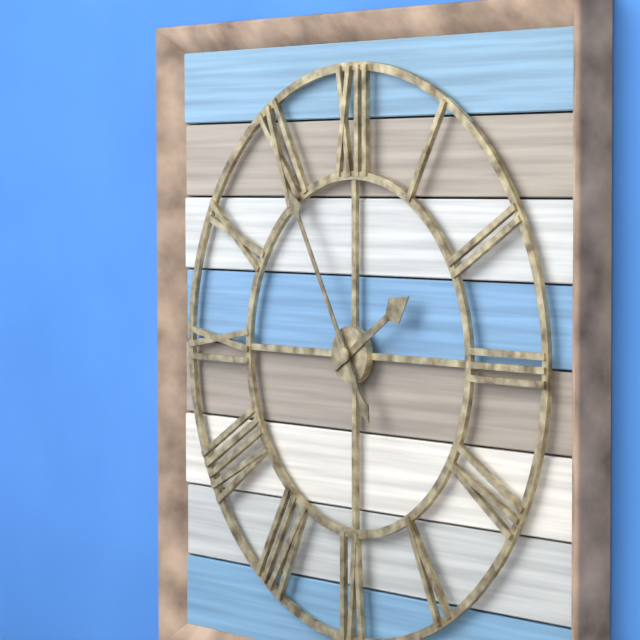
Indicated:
**1:55**
